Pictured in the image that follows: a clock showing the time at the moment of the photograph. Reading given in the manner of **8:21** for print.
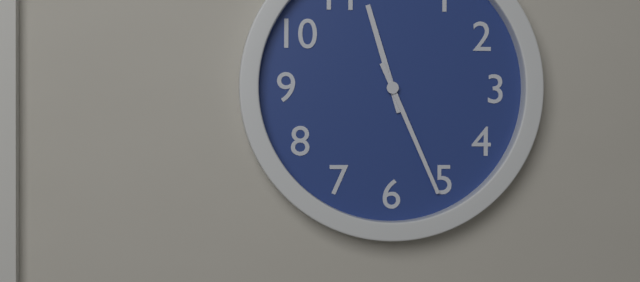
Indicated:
**11:26**
